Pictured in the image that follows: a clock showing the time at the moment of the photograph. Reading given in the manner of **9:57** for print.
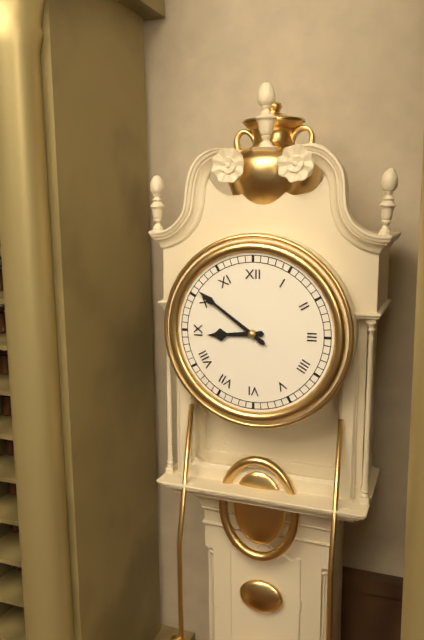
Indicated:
**8:51**
